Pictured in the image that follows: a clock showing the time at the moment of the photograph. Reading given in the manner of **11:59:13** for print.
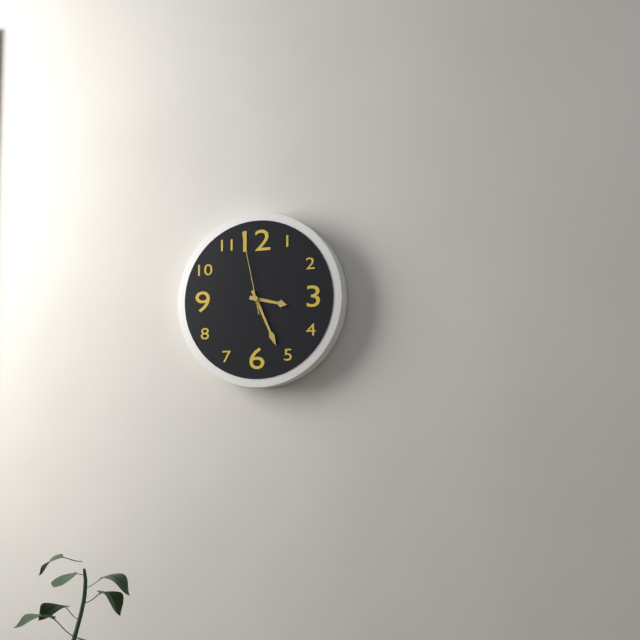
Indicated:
**3:26:58**
